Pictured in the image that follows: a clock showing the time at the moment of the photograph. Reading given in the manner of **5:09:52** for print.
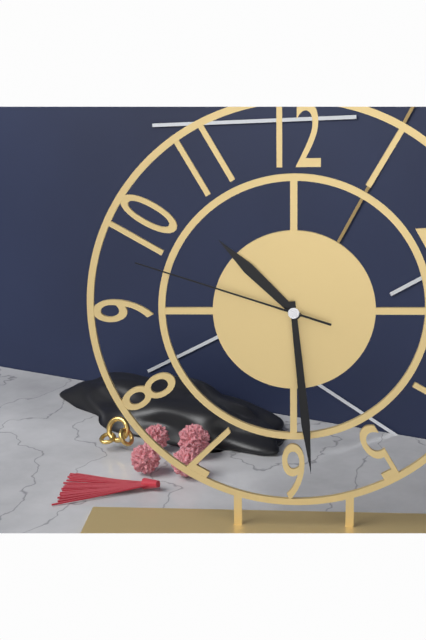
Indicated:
**10:29:48**
